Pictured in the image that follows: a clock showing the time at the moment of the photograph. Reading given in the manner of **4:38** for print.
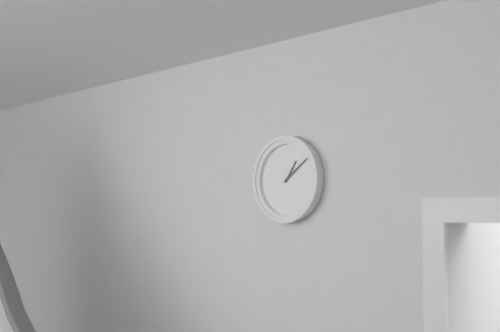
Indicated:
**1:09**
